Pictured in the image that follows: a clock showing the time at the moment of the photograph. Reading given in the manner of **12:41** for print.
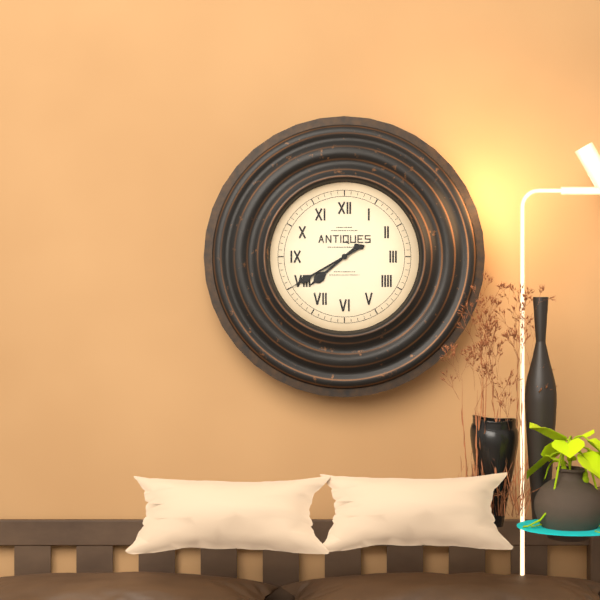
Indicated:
**7:40**
